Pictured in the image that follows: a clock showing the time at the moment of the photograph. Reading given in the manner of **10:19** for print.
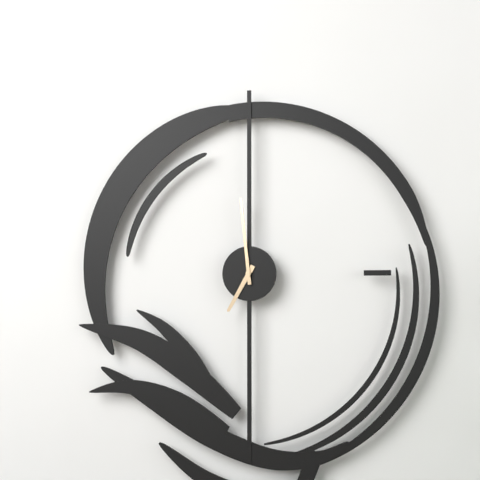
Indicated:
**6:59**
